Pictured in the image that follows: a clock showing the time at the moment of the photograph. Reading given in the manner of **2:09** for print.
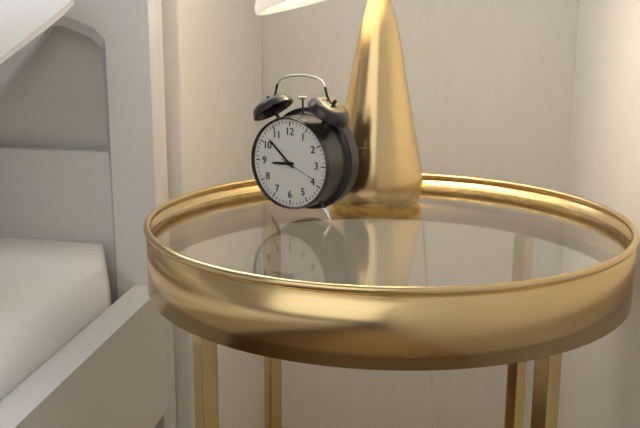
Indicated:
**8:52**
